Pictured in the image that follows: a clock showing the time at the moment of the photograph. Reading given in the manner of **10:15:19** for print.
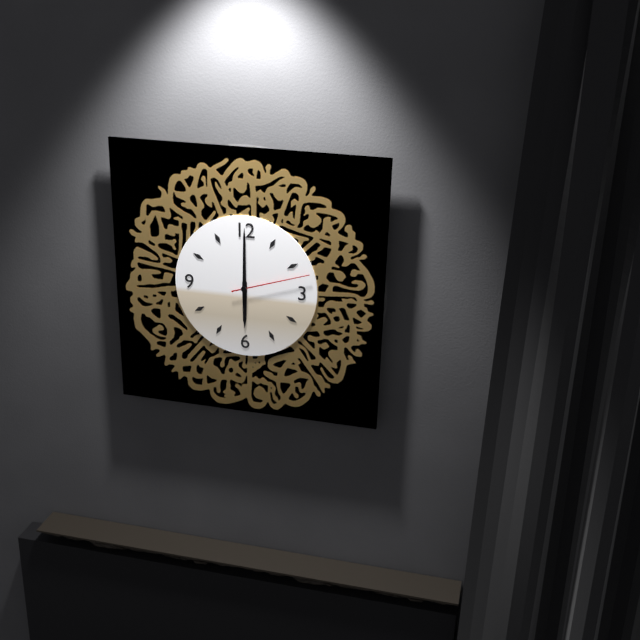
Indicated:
**6:00:12**
